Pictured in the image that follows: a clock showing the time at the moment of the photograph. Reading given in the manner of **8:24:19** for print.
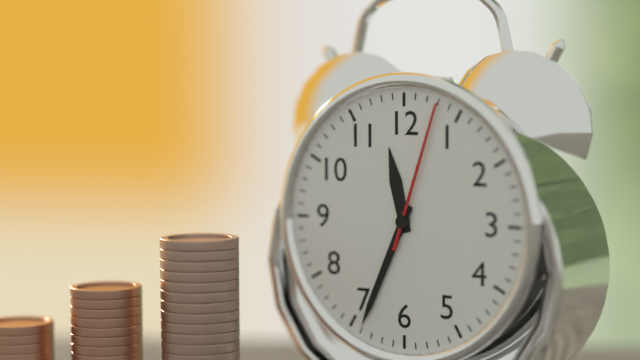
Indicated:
**11:34:03**
